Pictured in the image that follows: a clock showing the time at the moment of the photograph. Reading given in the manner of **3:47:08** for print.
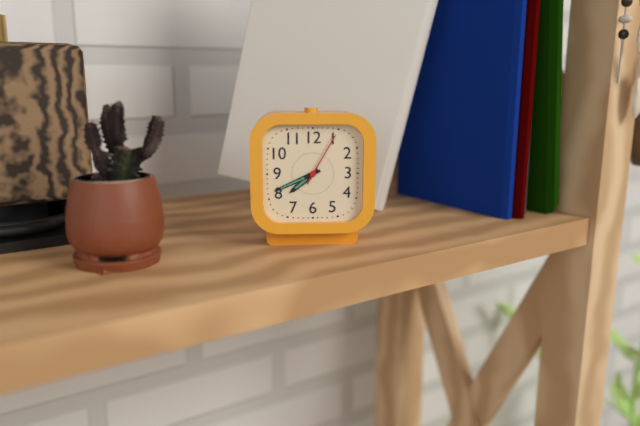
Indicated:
**7:41:05**
